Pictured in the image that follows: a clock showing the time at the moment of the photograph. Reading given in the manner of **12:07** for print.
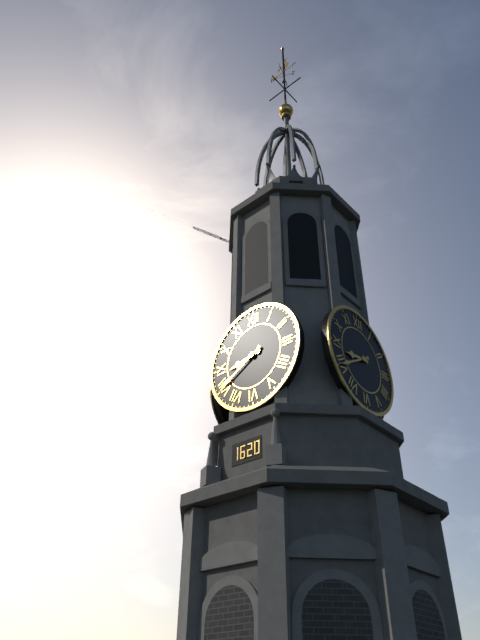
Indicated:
**8:40**
